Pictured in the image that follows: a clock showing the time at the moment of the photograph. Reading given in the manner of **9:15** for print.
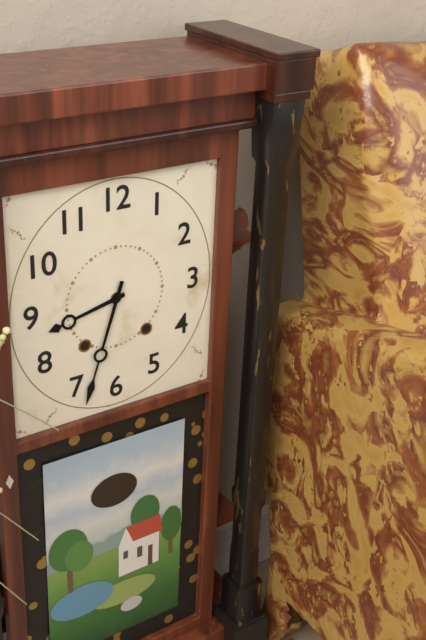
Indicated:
**8:33**
